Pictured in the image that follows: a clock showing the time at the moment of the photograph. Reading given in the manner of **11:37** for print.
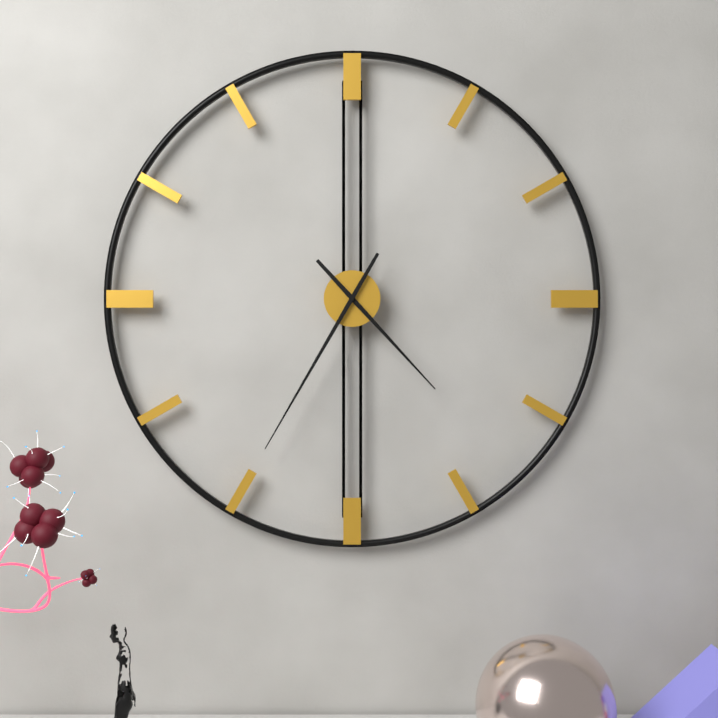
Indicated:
**4:35**
